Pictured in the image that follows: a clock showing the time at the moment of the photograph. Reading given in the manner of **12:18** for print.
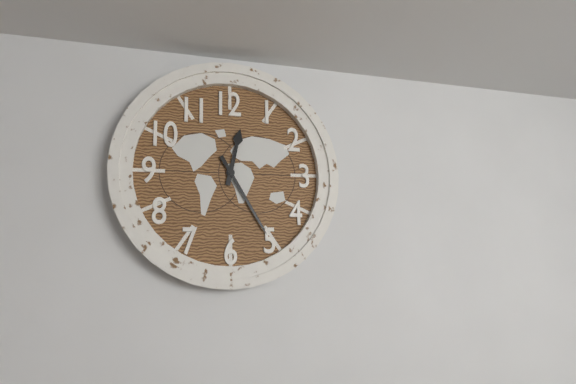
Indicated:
**12:25**
